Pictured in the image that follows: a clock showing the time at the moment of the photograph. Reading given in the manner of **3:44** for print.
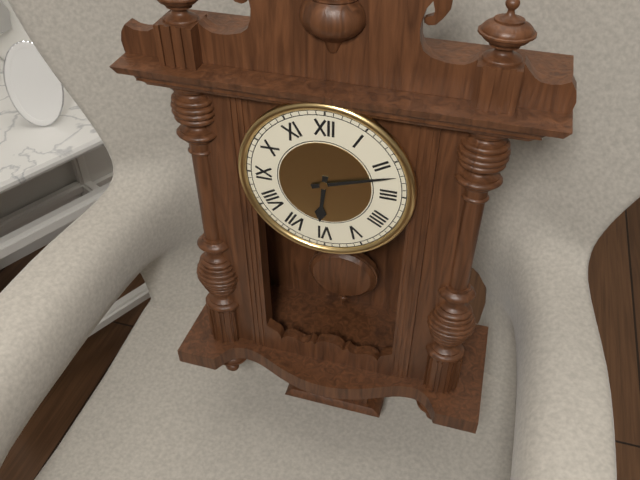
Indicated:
**6:12**
